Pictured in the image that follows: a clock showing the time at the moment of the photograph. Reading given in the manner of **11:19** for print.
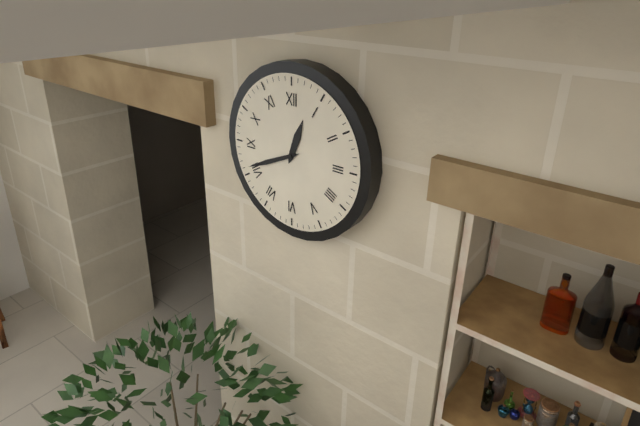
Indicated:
**12:41**
